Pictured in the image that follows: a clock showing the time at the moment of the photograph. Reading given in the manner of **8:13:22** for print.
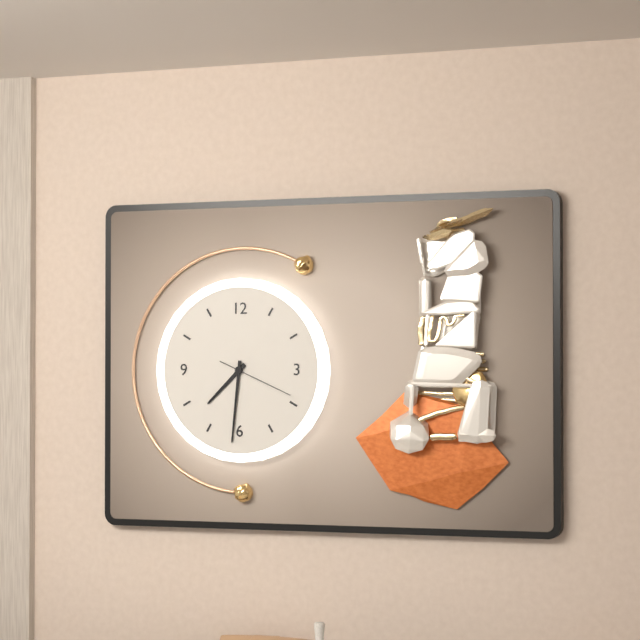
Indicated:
**7:31:19**
